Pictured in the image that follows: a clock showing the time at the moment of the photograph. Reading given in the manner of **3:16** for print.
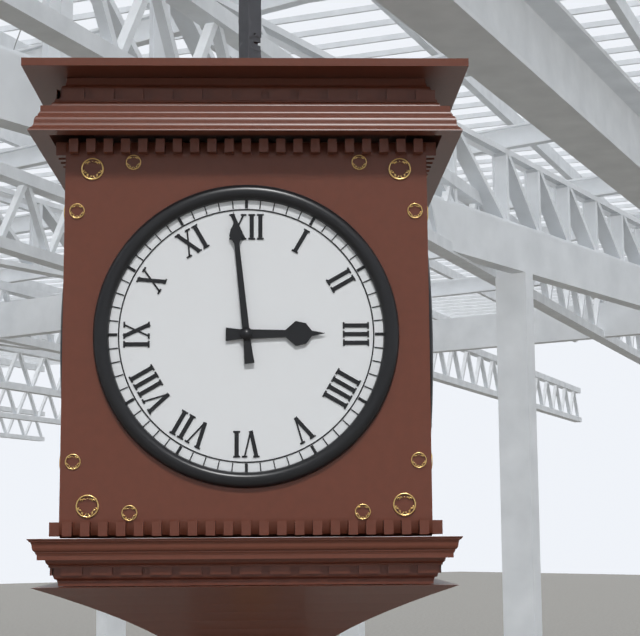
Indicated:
**2:59**
